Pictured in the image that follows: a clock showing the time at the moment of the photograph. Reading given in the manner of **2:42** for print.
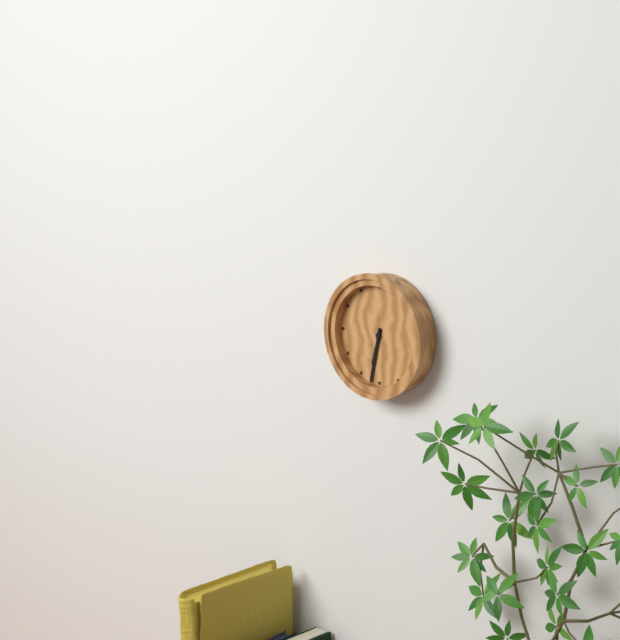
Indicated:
**6:32**
